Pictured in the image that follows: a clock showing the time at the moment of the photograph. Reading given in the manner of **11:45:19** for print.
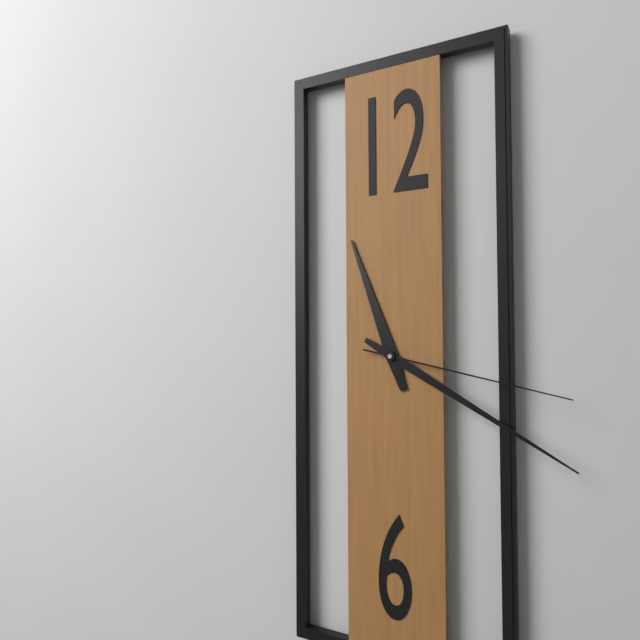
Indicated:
**11:20:17**
